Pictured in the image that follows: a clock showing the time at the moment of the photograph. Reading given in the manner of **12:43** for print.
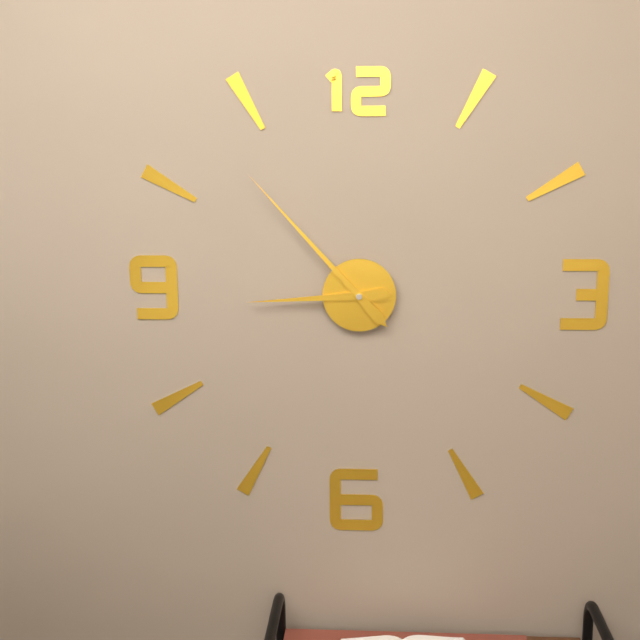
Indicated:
**8:53**
